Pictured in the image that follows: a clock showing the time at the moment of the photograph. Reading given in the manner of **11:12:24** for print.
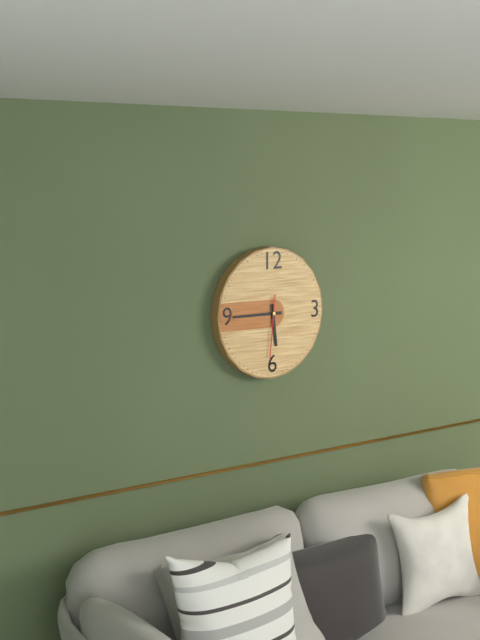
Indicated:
**5:45:31**
